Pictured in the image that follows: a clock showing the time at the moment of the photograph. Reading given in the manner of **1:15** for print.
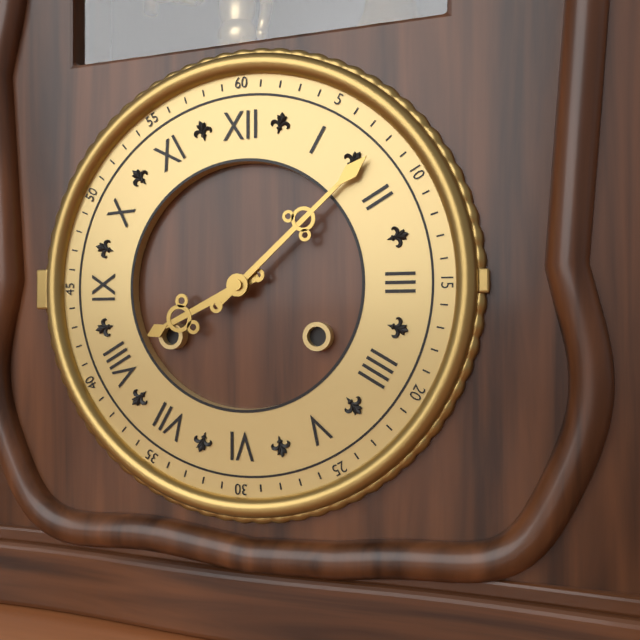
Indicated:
**8:08**
